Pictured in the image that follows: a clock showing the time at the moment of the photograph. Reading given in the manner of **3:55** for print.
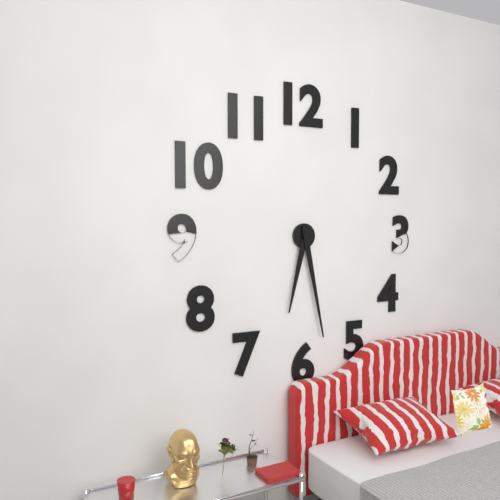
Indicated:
**6:28**
